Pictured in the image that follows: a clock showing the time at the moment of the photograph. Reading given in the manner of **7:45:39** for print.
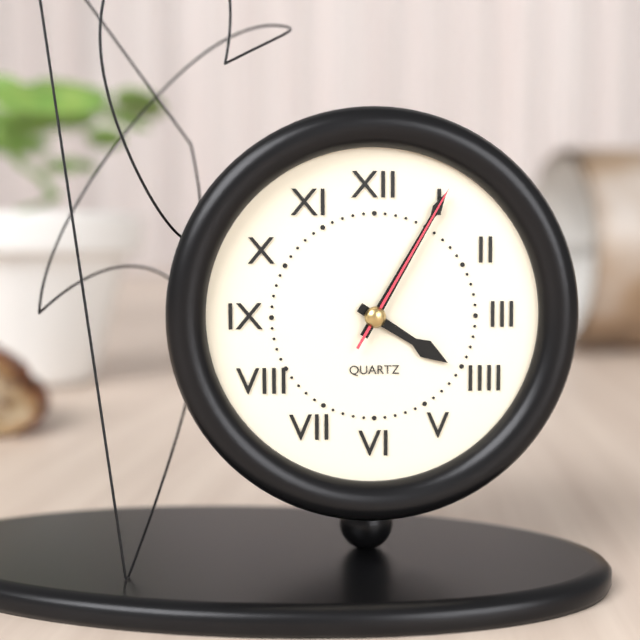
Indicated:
**4:05:05**
